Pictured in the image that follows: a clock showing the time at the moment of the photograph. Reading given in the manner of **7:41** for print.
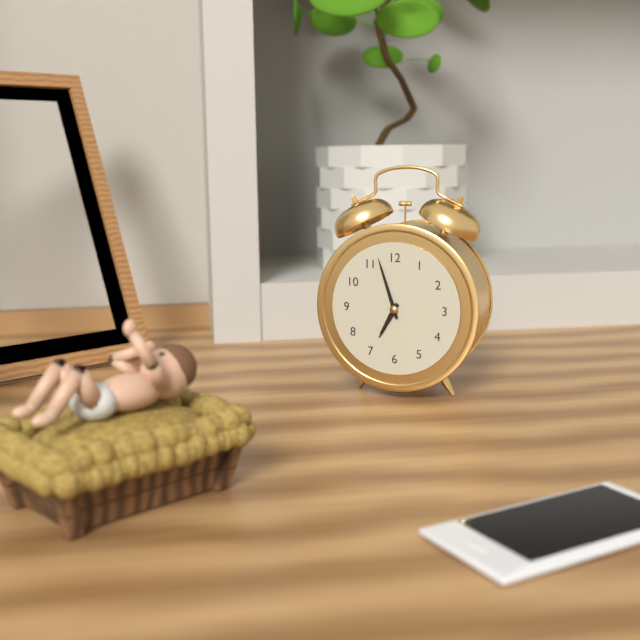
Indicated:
**6:57**
